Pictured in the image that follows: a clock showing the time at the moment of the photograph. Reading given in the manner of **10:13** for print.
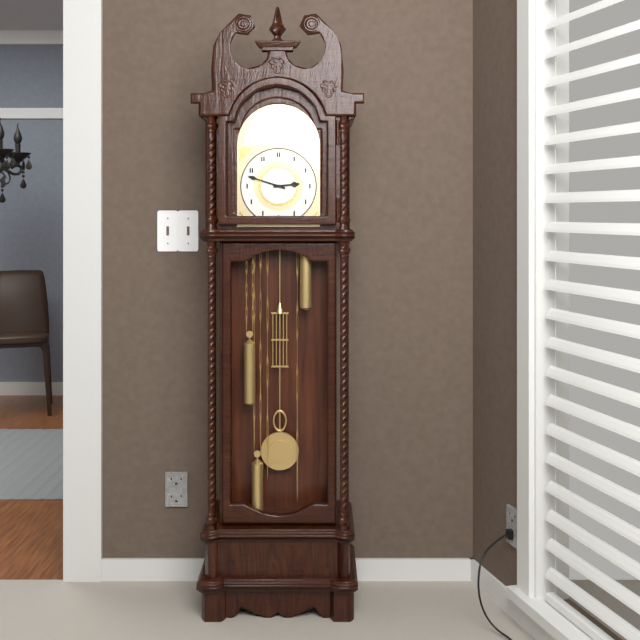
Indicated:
**2:48**
